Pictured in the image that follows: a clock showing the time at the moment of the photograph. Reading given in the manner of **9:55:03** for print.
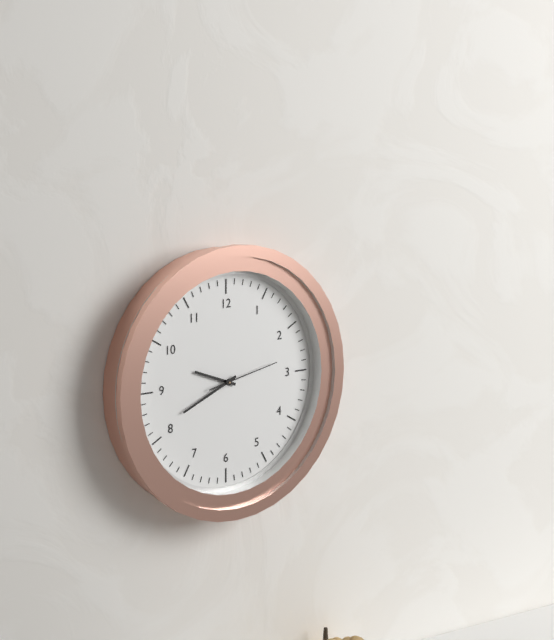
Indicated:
**9:41:13**
